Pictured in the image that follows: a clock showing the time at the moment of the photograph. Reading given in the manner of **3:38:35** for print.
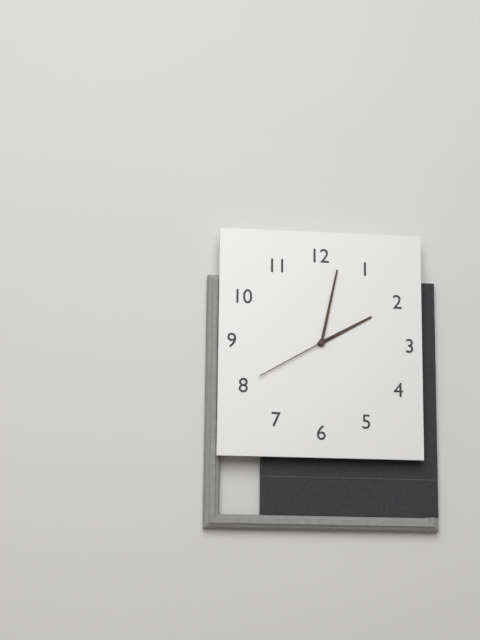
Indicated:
**2:02:40**
